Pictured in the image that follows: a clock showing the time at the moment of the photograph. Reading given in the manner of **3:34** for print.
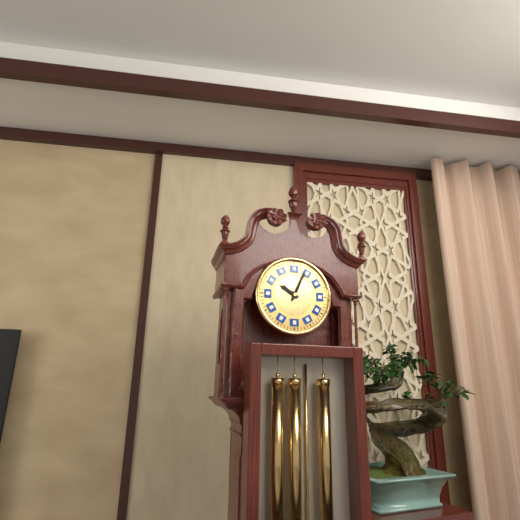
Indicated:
**10:04**
